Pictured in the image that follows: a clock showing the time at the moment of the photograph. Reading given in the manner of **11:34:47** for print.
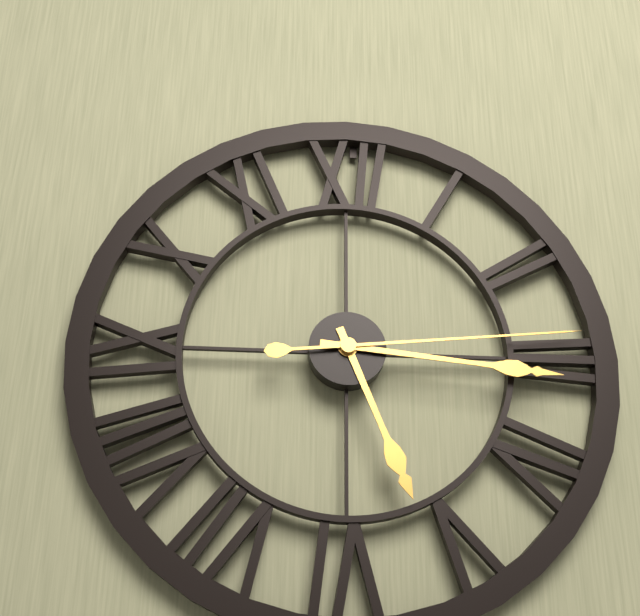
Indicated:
**5:16:14**
